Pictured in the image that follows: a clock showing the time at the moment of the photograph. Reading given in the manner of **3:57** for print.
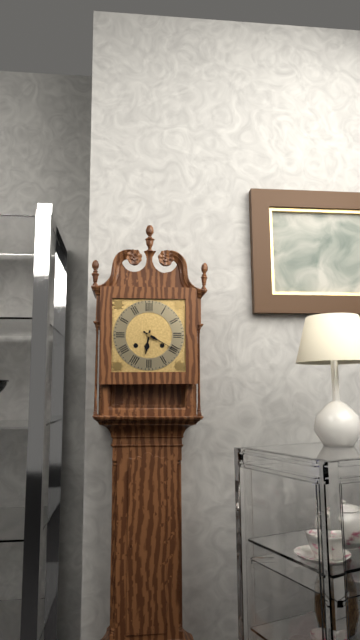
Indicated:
**6:20**
